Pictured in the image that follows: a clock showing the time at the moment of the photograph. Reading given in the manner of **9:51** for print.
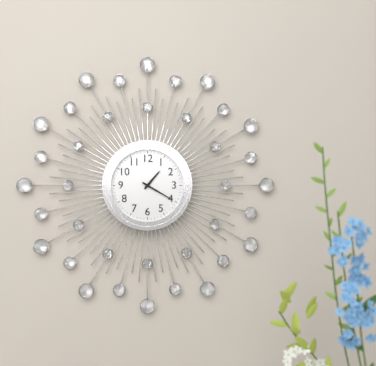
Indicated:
**1:20**
